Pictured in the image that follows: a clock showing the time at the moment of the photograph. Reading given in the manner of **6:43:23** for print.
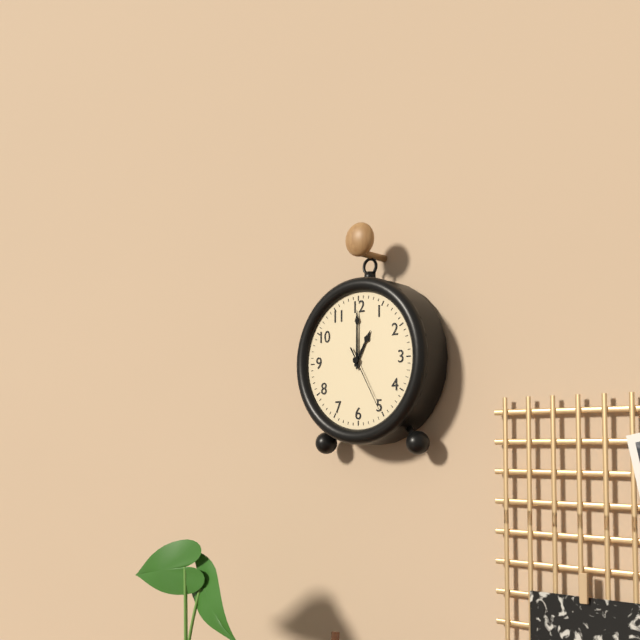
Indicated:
**1:00:25**
